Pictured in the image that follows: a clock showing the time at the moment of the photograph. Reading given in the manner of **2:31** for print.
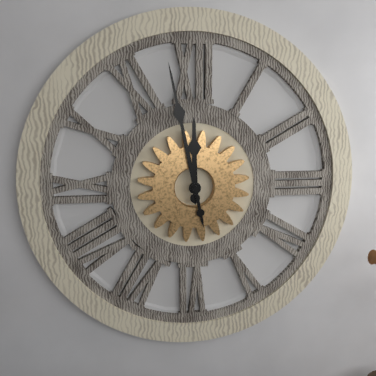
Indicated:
**11:58**
